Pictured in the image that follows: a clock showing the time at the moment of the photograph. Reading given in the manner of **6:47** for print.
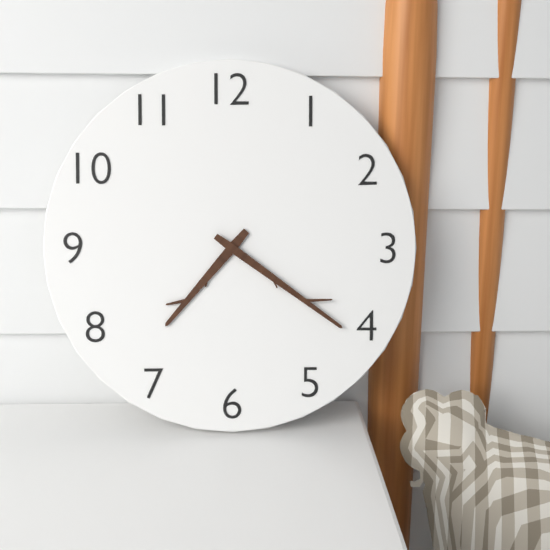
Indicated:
**7:21**
